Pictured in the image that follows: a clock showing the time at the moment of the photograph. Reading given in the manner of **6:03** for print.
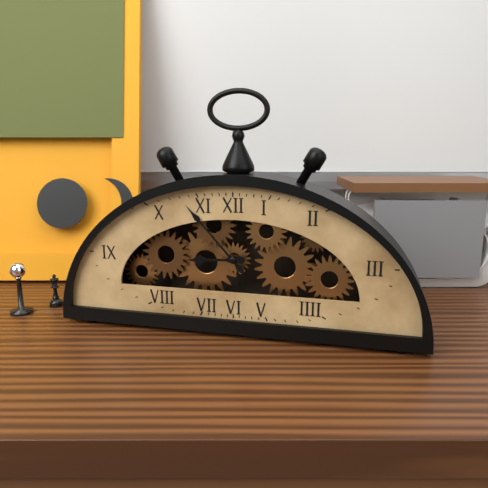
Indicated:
**8:53**
